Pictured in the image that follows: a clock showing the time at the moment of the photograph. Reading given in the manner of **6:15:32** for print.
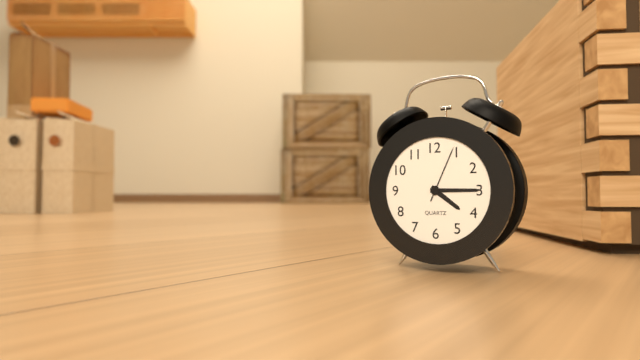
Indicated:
**4:15:04**
